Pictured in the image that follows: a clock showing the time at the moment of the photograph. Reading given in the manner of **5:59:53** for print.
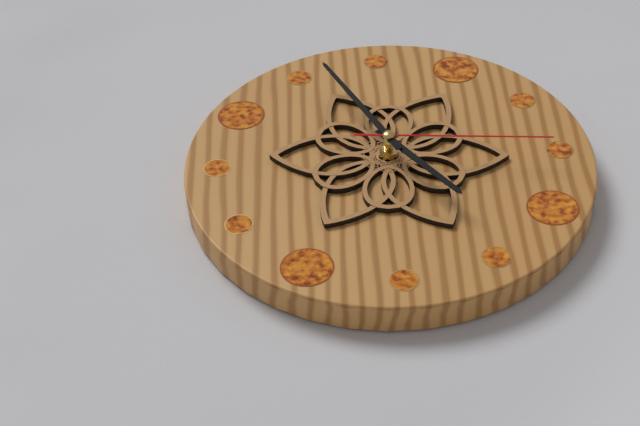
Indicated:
**3:51:11**
